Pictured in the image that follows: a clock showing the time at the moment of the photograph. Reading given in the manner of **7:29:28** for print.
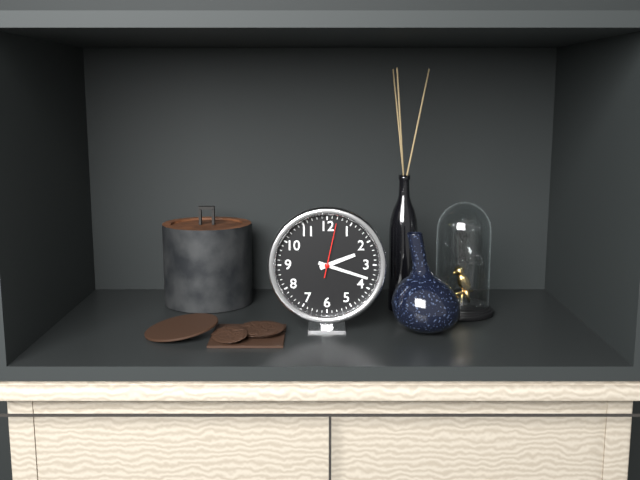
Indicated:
**2:18:02**
